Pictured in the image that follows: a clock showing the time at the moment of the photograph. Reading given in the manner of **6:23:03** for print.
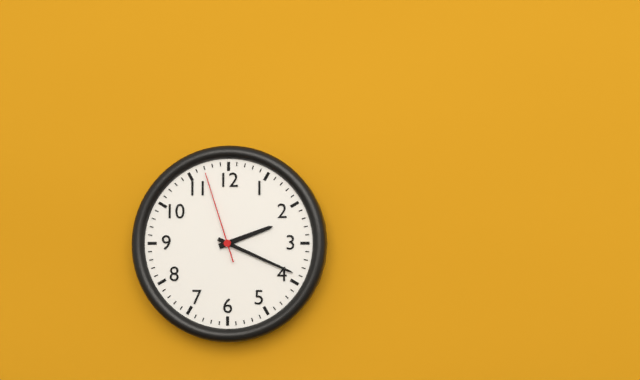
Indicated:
**2:19:57**
